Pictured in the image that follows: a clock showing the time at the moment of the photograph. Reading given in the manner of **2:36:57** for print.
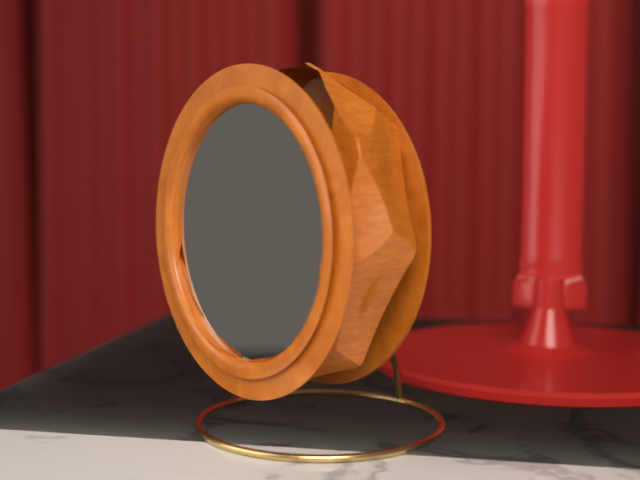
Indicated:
**7:01:15**
